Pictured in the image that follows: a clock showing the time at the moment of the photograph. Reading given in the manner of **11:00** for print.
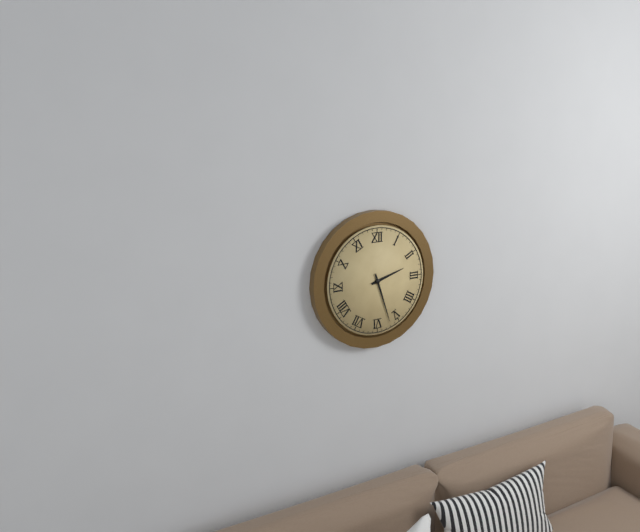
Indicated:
**2:27**
